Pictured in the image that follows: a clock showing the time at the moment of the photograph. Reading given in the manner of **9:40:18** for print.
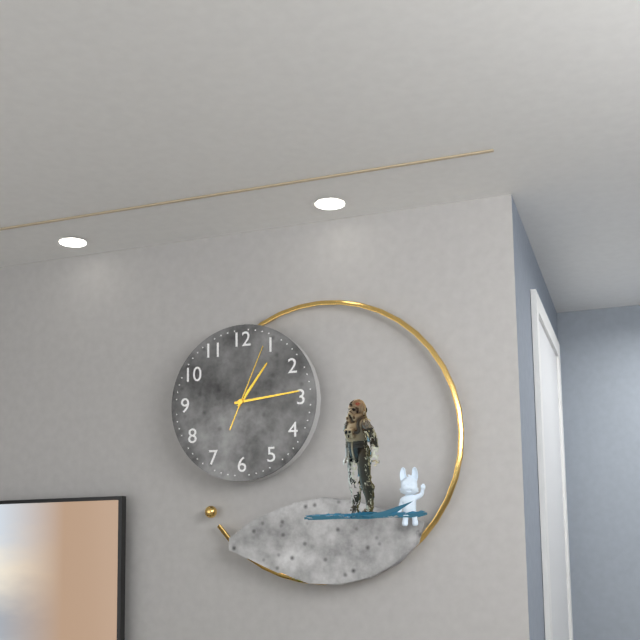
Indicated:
**1:14:04**
